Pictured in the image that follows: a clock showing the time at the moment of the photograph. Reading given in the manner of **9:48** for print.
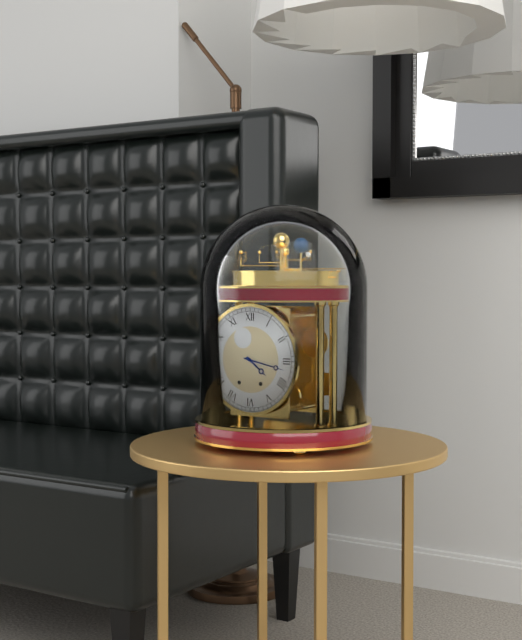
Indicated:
**4:17**
